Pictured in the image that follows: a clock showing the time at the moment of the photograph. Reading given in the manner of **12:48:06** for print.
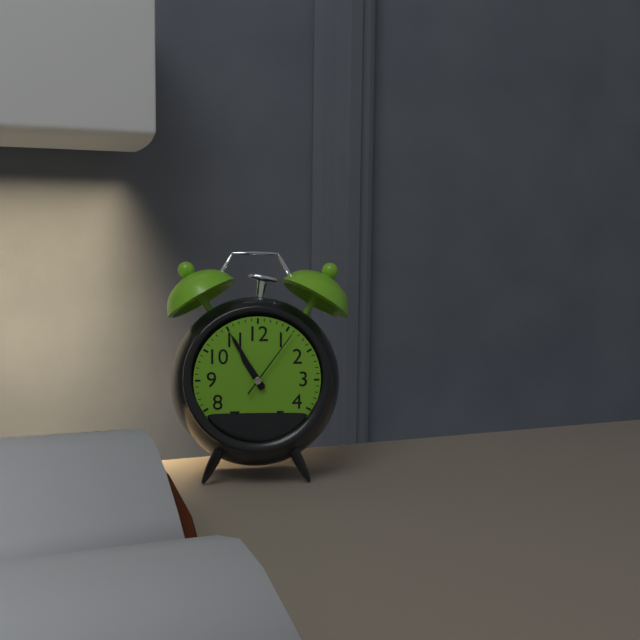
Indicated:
**10:55:06**
